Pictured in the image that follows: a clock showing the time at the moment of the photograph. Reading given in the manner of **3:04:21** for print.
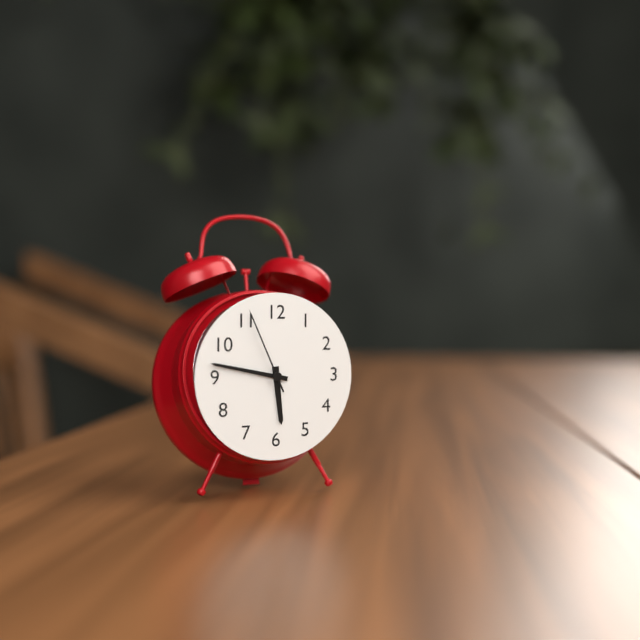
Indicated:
**5:47:56**
